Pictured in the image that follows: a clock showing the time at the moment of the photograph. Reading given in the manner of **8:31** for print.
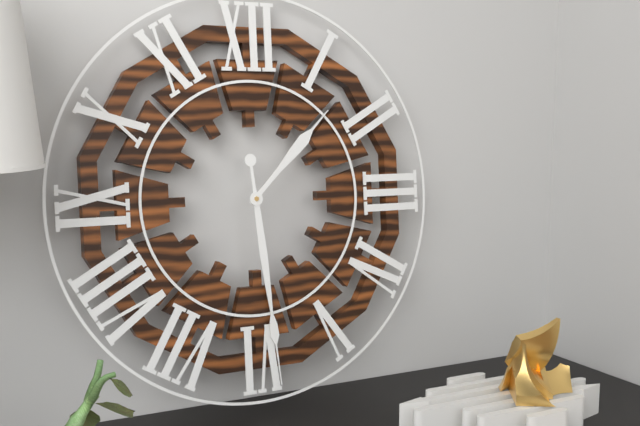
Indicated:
**1:29**
